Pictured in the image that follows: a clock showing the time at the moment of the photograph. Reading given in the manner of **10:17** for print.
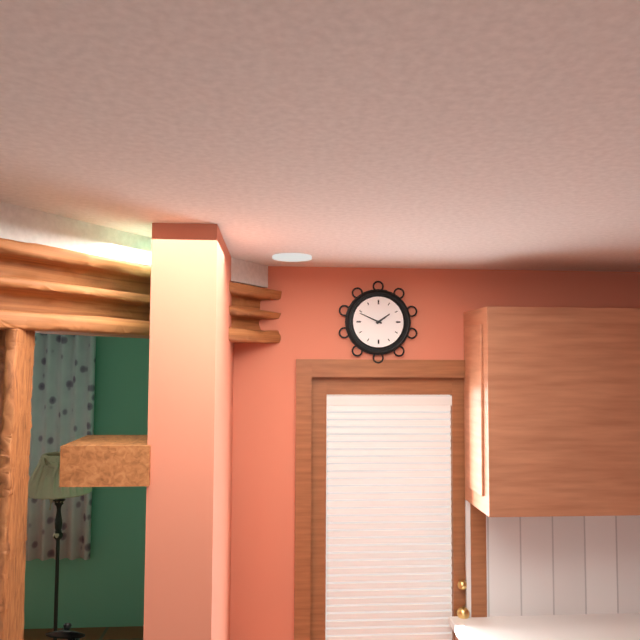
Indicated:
**1:49**
